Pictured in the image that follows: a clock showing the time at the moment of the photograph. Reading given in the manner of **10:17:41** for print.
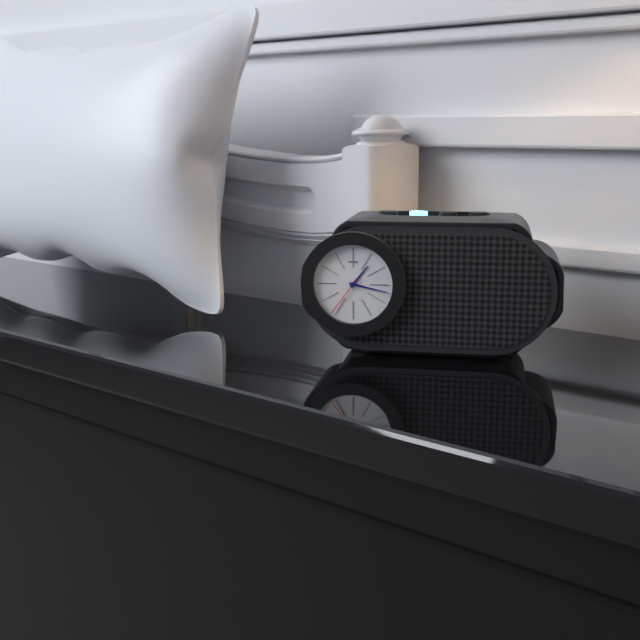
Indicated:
**1:17:36**
